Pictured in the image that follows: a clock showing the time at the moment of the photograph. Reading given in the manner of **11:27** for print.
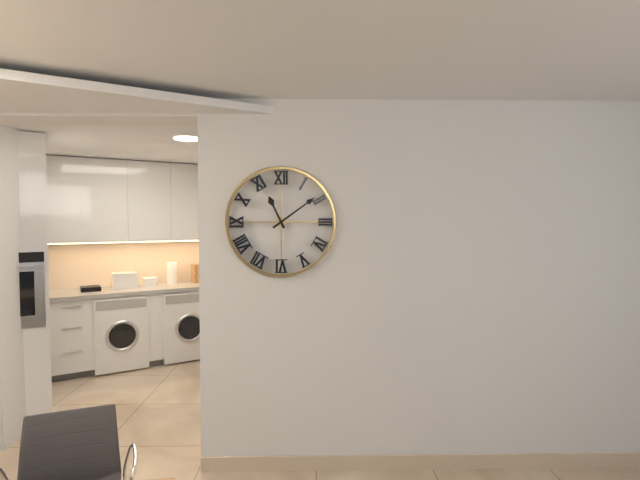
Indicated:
**11:09**
